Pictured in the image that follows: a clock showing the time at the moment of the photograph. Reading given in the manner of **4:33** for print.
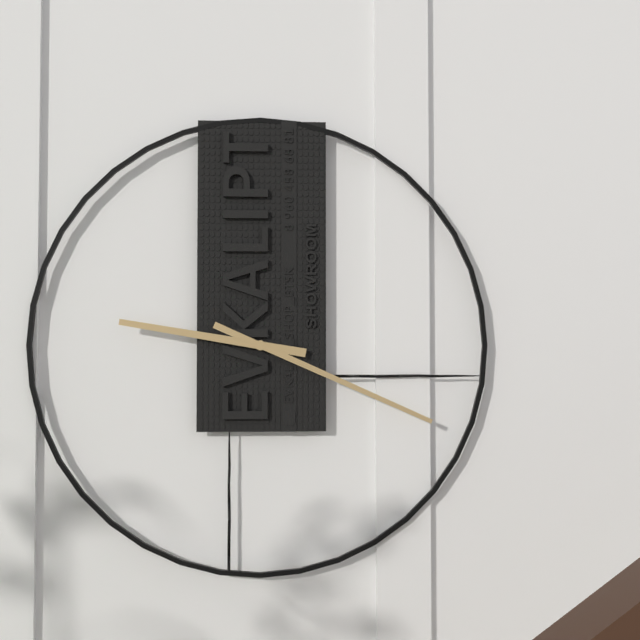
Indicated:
**9:19**
